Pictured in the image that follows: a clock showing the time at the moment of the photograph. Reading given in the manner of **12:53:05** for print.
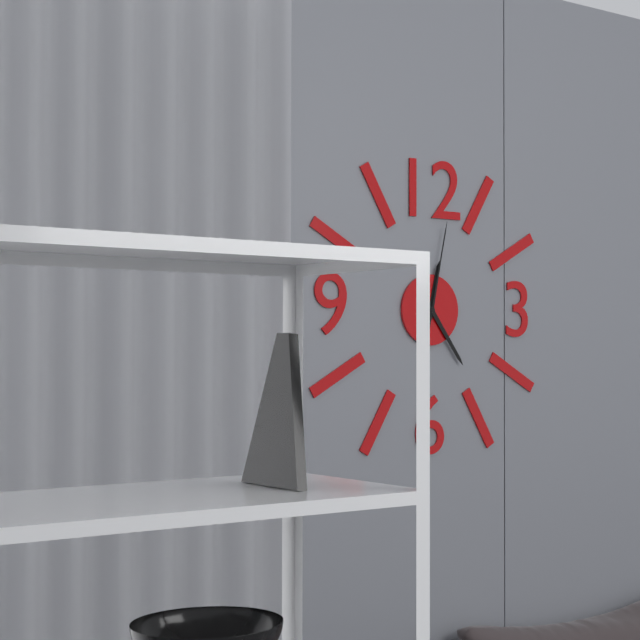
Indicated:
**12:24:02**
